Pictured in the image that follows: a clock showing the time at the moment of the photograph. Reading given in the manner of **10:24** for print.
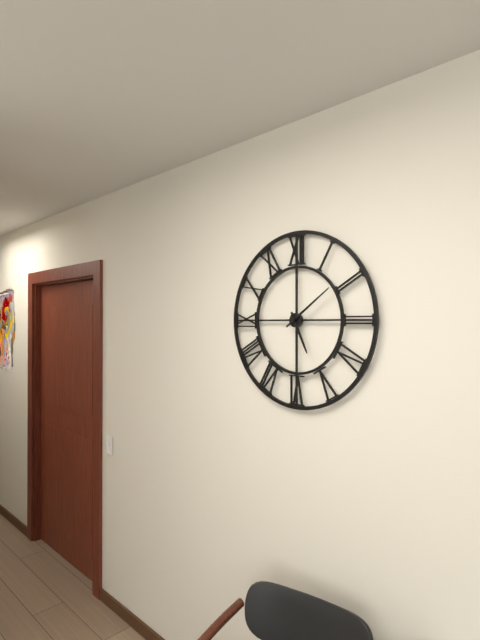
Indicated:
**5:09**
